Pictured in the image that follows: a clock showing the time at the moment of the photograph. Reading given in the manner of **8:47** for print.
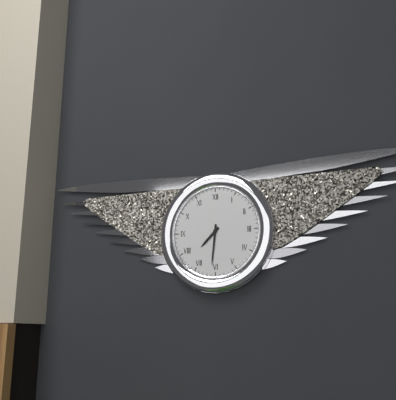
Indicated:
**7:31**
